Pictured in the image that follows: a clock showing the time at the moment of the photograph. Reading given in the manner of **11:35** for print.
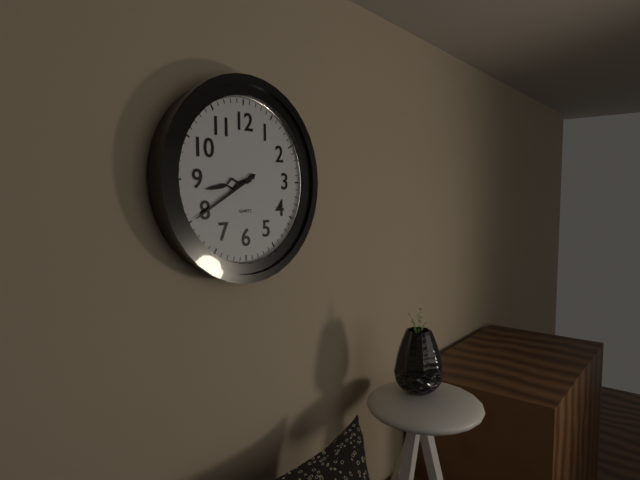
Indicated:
**8:40**
